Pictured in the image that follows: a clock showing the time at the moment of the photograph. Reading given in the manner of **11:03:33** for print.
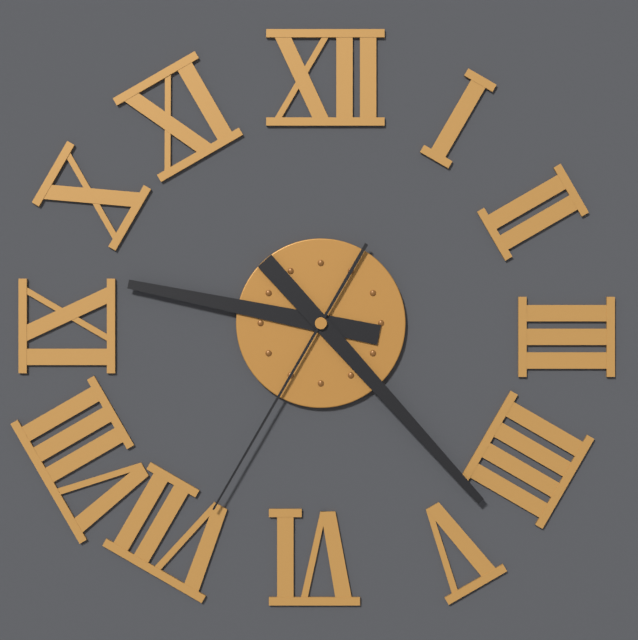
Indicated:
**9:23:35**
